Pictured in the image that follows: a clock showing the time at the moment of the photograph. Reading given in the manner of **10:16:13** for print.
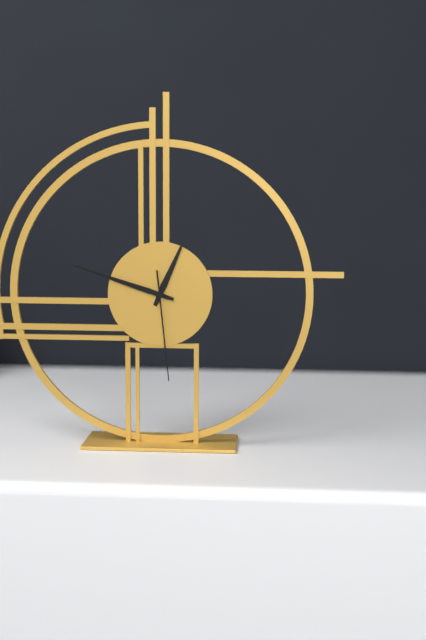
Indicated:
**12:48:29**
